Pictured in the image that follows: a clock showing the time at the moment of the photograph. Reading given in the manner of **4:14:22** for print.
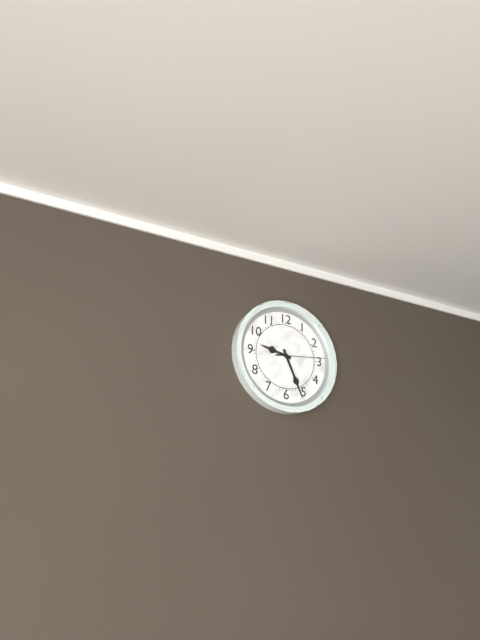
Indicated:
**9:26:14**
